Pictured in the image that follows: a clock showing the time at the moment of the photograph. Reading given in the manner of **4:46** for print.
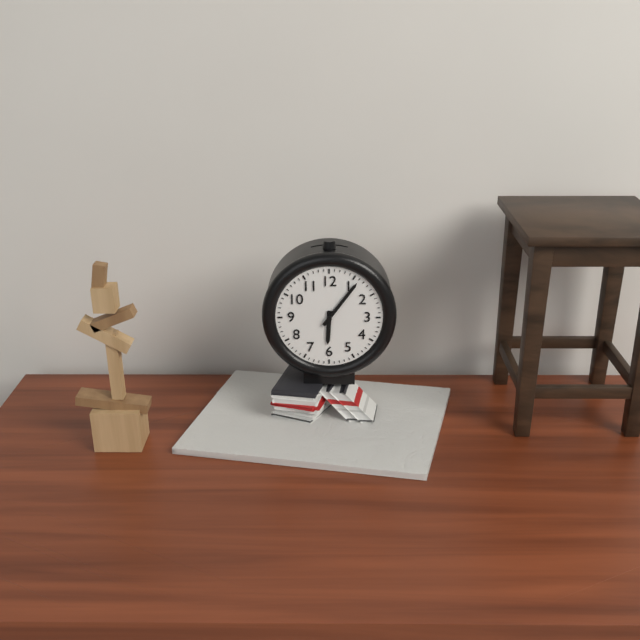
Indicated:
**6:06**
